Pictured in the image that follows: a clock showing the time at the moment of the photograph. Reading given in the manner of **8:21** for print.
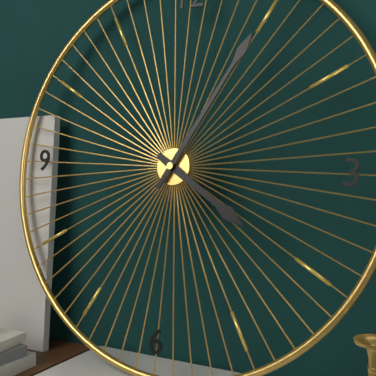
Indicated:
**4:05**
